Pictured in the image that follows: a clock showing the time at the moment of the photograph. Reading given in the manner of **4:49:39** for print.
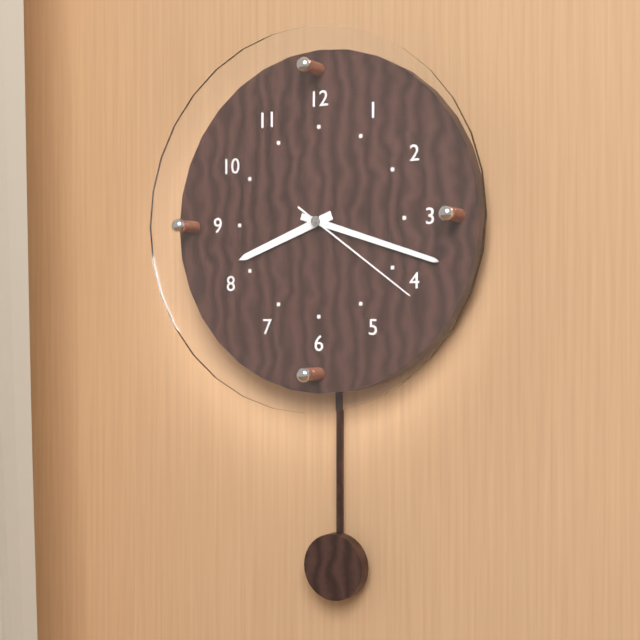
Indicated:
**8:18:21**
